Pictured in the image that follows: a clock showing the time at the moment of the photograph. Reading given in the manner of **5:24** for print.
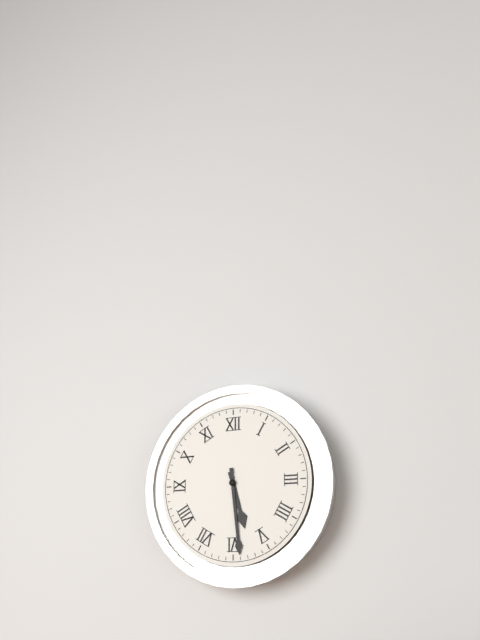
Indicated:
**5:29**
